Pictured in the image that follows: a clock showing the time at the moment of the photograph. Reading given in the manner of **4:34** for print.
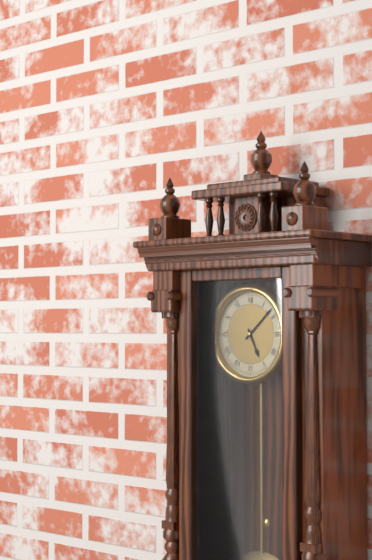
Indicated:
**5:08**
